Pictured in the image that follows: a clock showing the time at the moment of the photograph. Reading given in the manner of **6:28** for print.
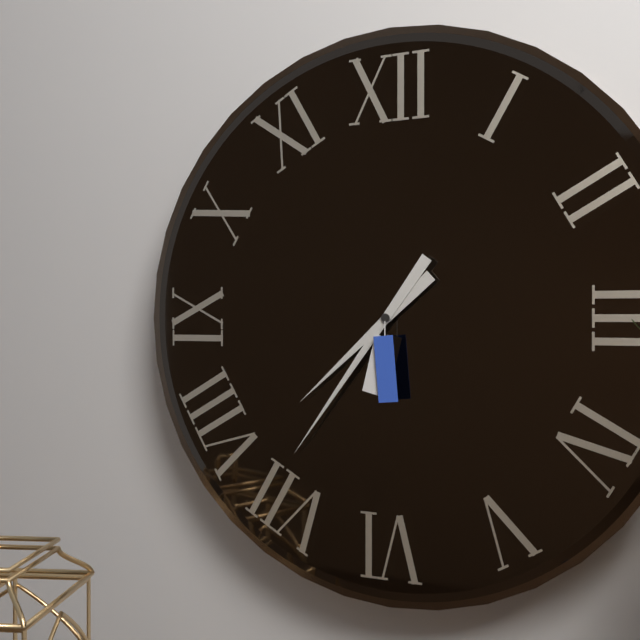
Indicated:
**7:36**
